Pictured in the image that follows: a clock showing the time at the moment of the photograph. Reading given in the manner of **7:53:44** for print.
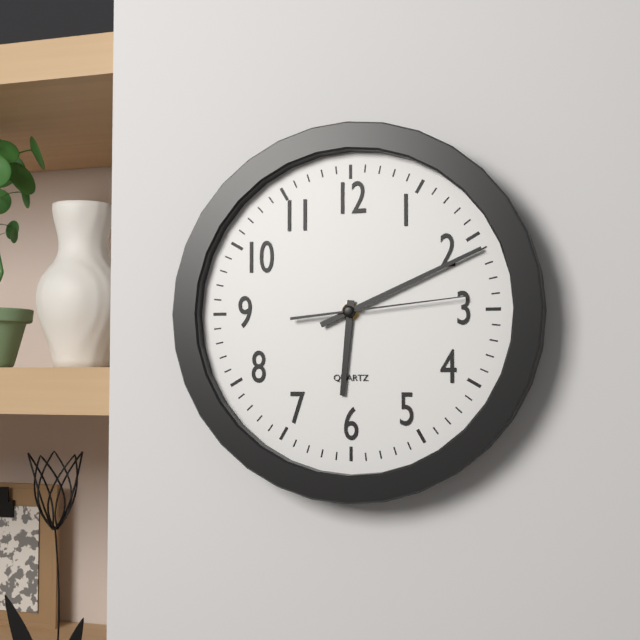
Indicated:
**6:11:14**
